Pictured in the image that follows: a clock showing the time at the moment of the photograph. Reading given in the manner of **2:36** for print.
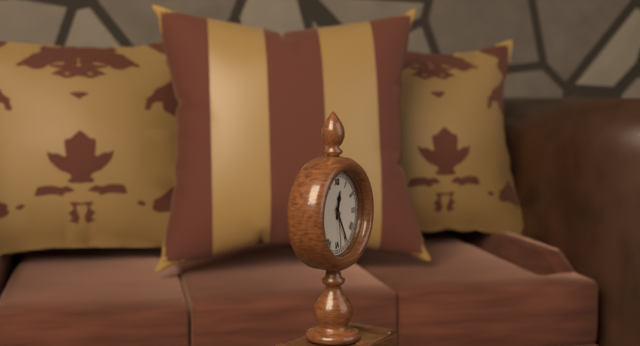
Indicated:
**12:25**
